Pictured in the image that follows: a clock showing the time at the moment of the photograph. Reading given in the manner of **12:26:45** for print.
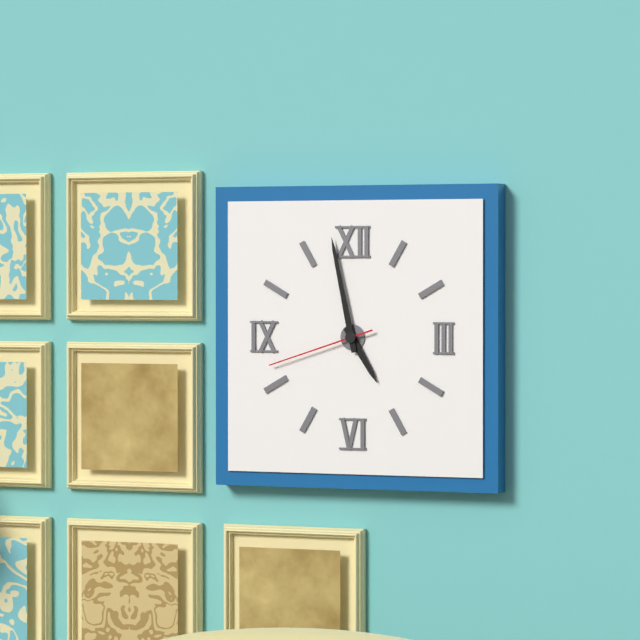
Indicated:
**4:58:42**
